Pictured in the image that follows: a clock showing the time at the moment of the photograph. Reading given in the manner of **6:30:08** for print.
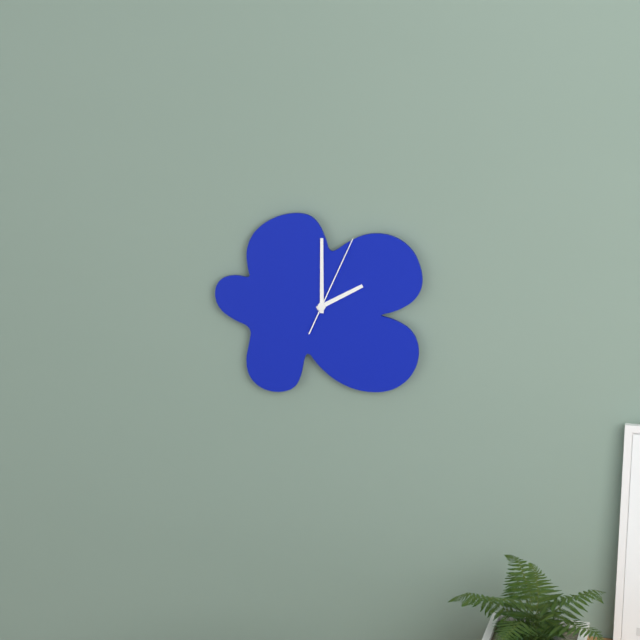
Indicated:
**2:00:04**
